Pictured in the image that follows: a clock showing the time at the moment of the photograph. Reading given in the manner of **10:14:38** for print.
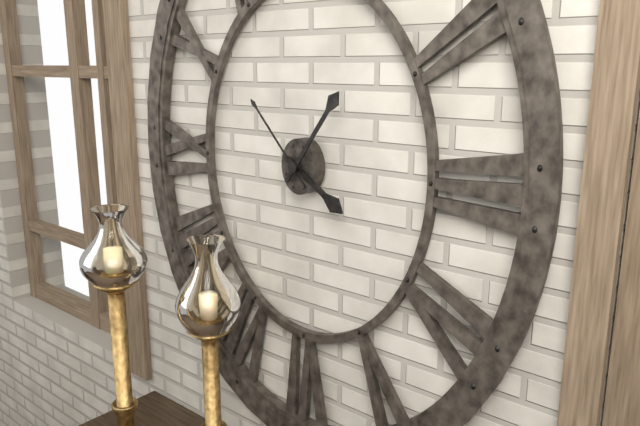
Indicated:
**4:06:53**
